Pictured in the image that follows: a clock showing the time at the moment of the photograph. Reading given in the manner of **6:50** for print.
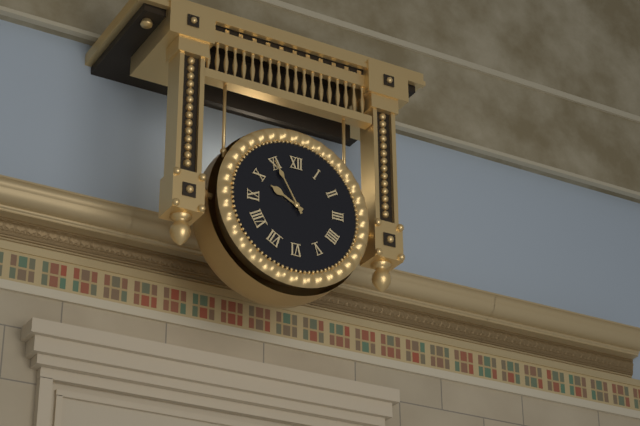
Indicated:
**9:55**
